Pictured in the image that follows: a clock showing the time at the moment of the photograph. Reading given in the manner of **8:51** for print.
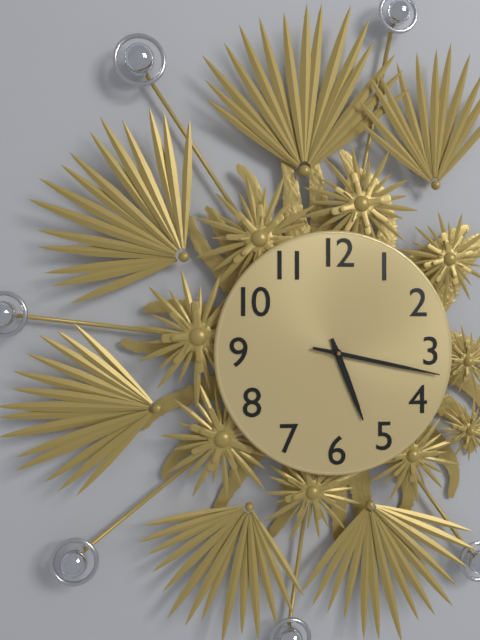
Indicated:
**5:17**
